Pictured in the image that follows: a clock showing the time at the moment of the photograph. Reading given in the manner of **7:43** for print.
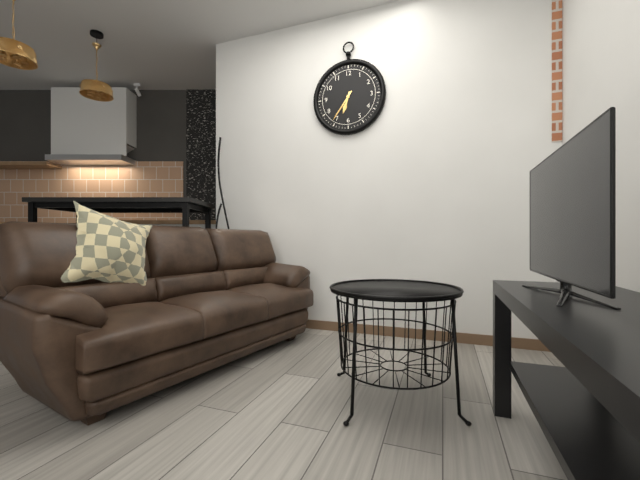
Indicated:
**6:36**
